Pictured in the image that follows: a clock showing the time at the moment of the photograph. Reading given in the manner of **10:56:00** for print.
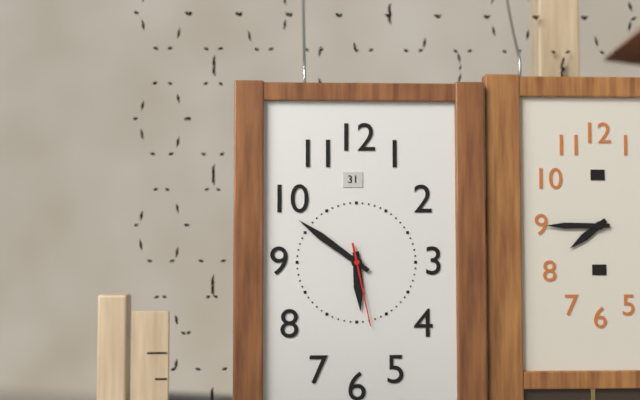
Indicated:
**5:51:28**
